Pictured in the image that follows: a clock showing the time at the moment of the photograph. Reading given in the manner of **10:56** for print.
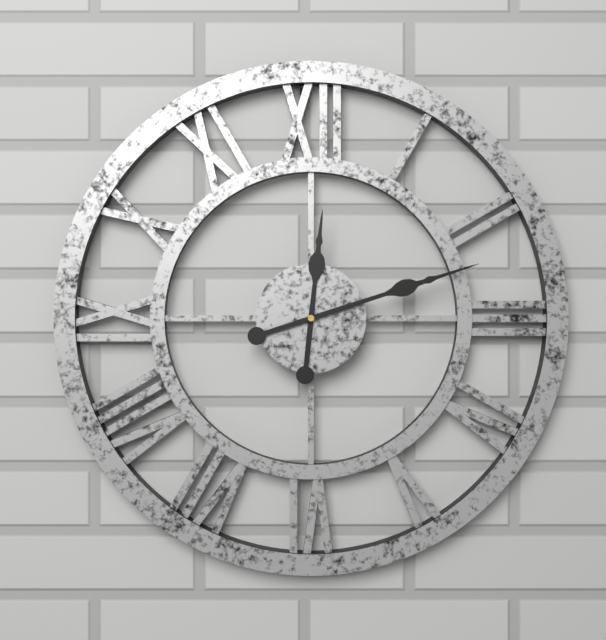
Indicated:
**12:12**
